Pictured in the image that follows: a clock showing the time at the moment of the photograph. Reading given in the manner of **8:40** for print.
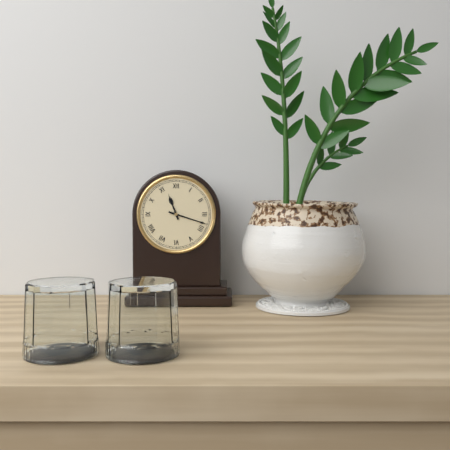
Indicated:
**11:18**
